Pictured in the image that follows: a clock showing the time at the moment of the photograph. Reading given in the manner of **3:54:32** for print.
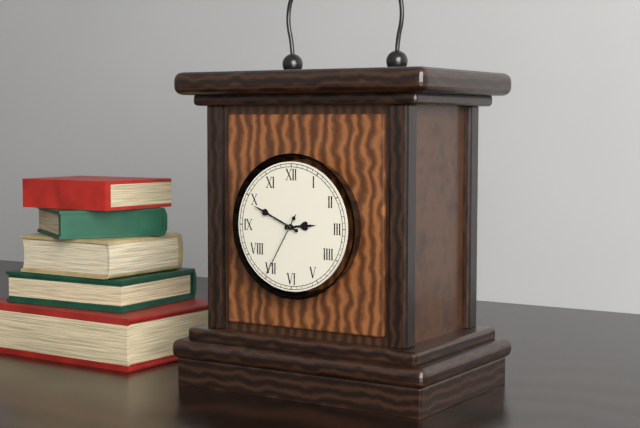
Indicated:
**2:49:35**
